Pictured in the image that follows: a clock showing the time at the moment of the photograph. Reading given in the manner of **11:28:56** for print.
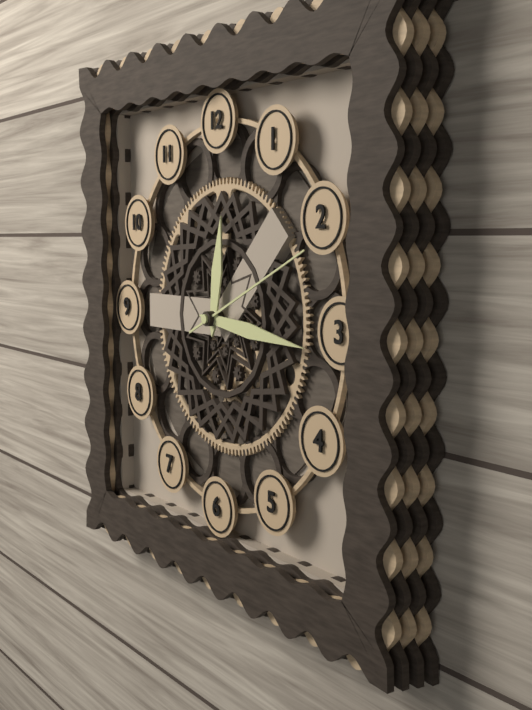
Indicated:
**12:16:11**
